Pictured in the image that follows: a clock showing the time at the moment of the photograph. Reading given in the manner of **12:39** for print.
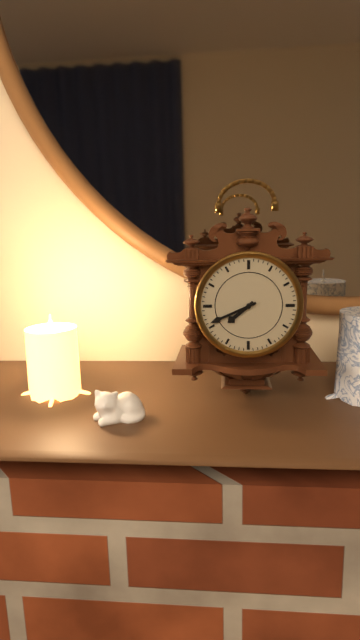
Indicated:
**7:41**
